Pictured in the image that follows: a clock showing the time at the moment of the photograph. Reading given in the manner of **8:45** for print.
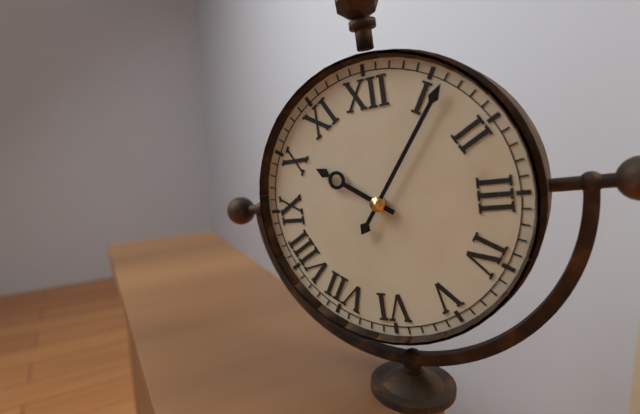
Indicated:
**10:06**
